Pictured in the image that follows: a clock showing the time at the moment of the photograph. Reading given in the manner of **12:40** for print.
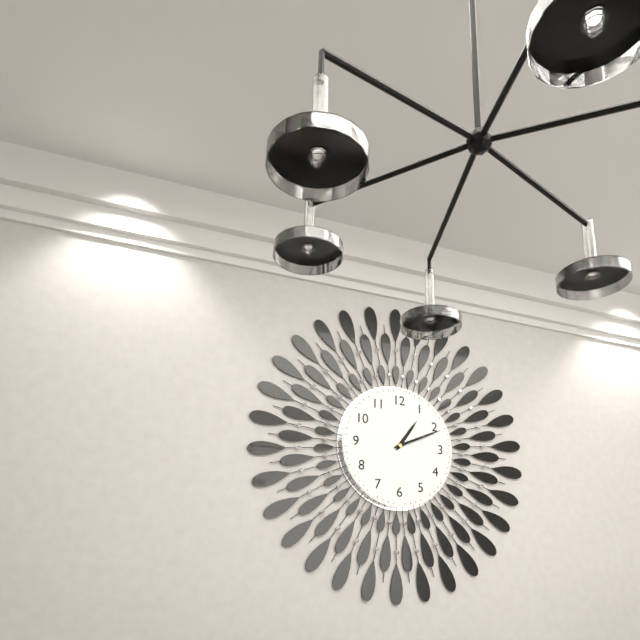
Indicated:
**1:11**
